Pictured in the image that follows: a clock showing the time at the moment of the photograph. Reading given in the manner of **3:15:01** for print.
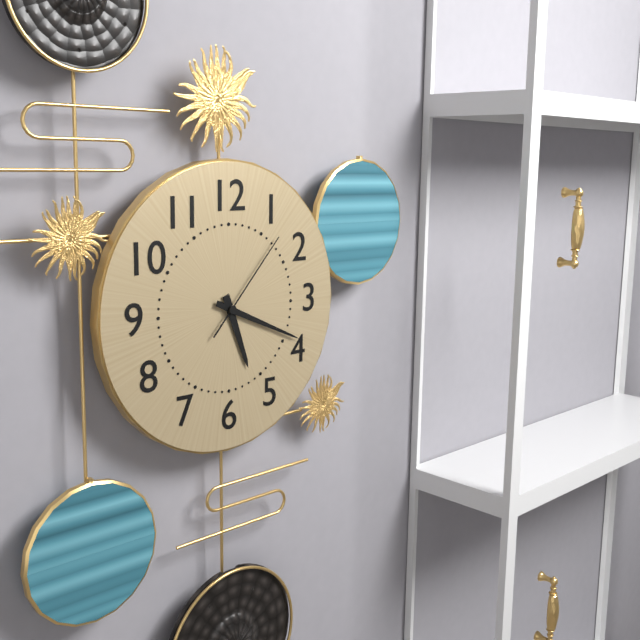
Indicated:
**5:19:07**
